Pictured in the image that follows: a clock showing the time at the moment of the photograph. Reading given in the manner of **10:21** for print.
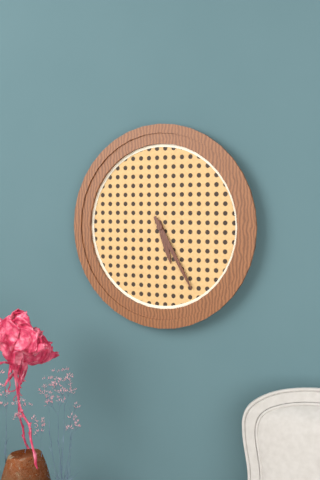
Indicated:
**5:25**
